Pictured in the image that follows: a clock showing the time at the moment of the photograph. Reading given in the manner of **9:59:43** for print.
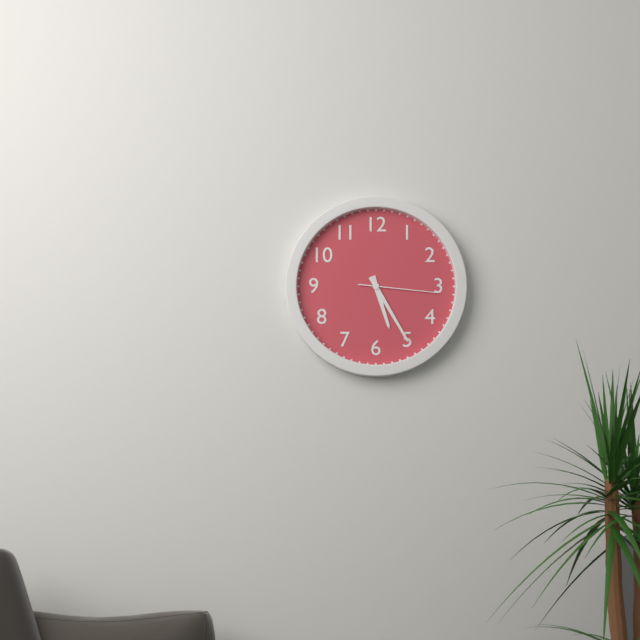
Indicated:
**5:25:16**
